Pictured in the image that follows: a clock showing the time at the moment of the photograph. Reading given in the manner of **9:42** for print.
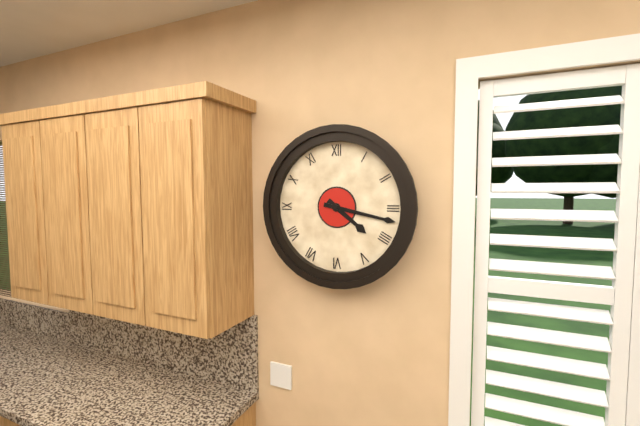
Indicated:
**4:17**
